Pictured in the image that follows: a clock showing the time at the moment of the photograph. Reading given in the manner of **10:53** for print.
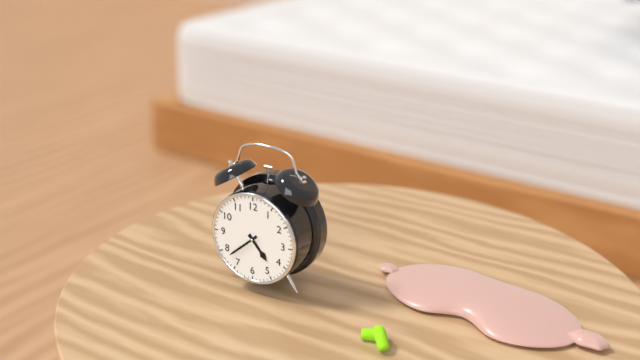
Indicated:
**4:38**
